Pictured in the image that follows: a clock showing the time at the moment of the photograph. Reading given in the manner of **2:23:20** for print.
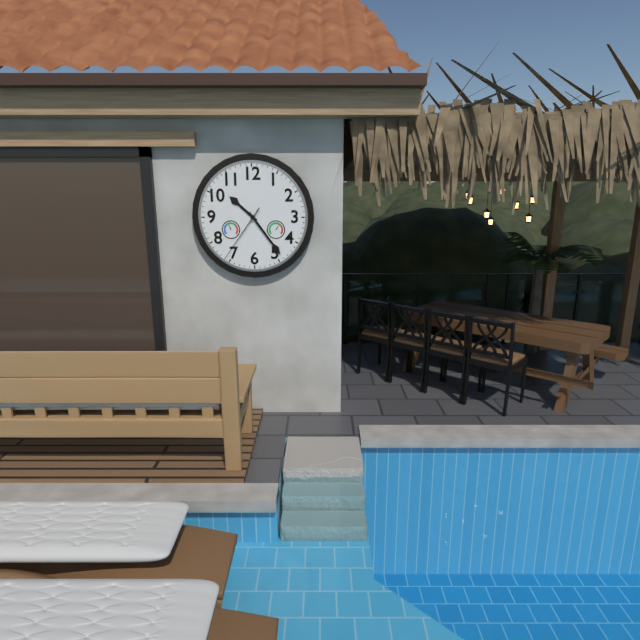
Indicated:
**10:24:36**
